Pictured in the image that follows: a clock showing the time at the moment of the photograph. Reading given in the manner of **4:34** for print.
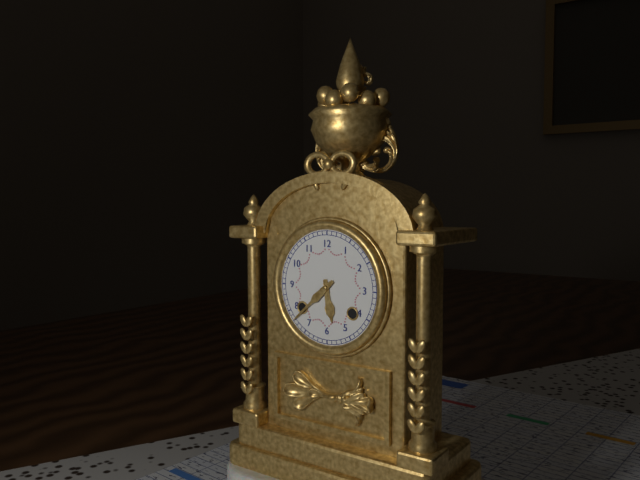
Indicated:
**5:38**
